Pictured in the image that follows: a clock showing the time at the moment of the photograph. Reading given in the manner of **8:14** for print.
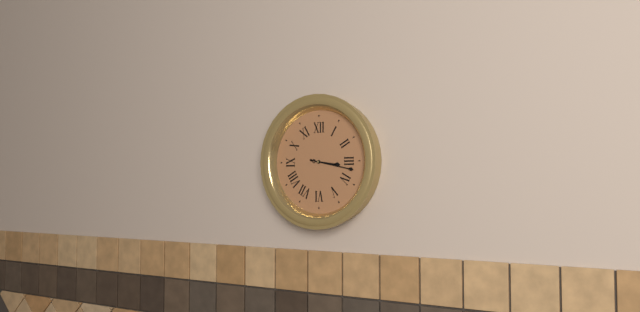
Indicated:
**3:17**
